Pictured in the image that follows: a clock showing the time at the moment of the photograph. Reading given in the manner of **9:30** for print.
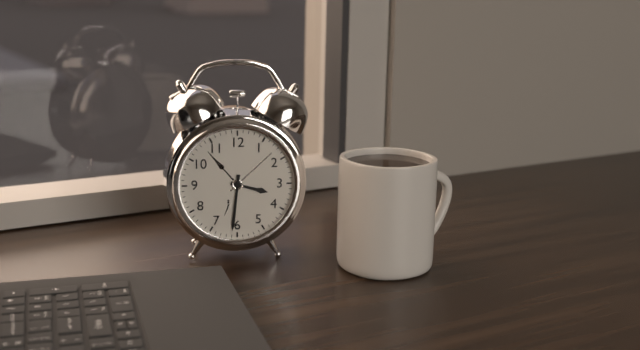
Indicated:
**3:31**
